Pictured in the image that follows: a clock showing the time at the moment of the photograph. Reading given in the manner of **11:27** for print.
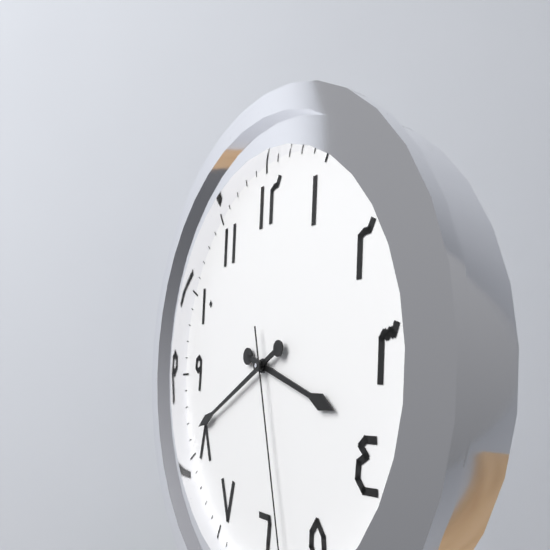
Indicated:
**3:41**
